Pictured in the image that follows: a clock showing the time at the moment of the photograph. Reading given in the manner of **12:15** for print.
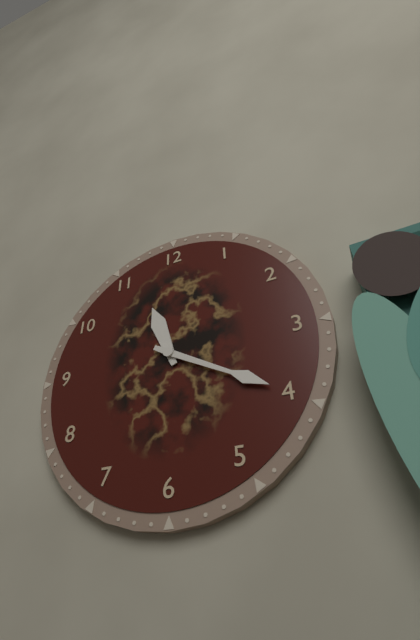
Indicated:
**11:20**
